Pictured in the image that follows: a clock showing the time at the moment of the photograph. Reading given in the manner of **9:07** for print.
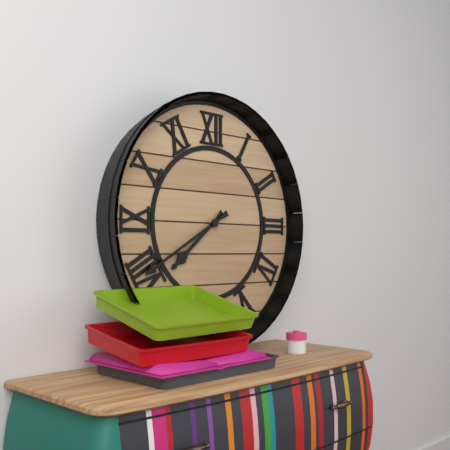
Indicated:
**7:40**
